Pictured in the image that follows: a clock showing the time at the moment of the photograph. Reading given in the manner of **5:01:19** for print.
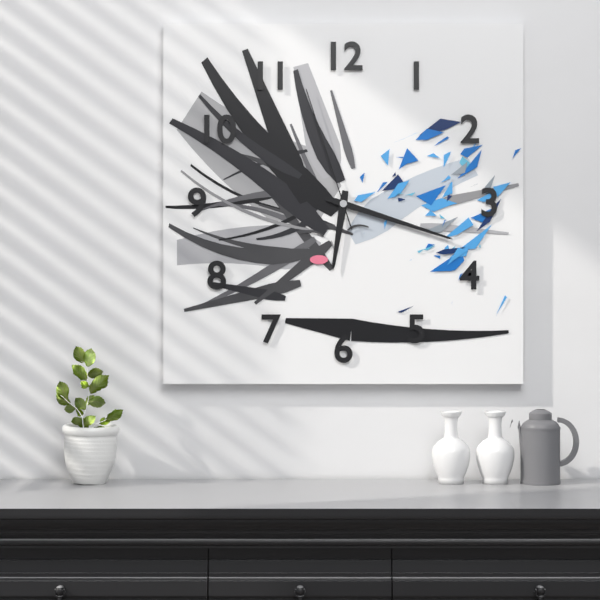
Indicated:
**6:18:57**
